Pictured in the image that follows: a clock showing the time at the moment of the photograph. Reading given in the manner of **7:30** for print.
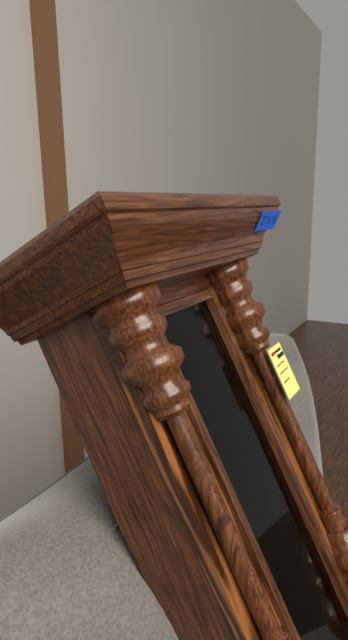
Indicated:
**11:28**
